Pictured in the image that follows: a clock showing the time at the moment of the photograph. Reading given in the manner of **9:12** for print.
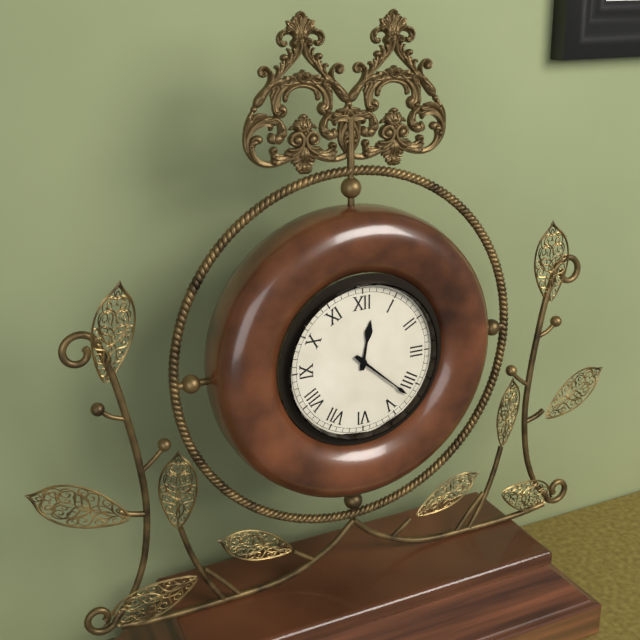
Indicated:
**12:22**
